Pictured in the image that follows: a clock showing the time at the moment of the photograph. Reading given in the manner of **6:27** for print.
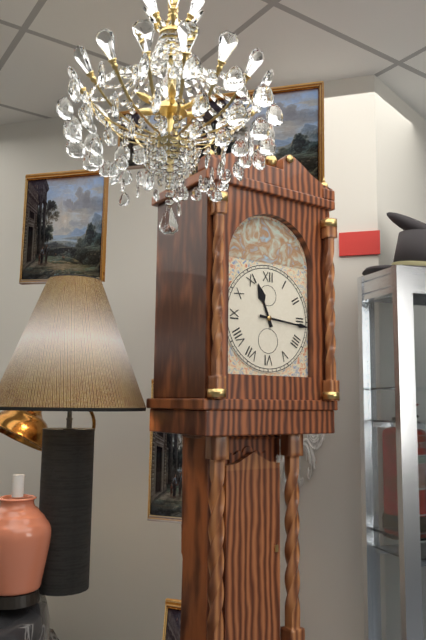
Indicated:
**11:16**
